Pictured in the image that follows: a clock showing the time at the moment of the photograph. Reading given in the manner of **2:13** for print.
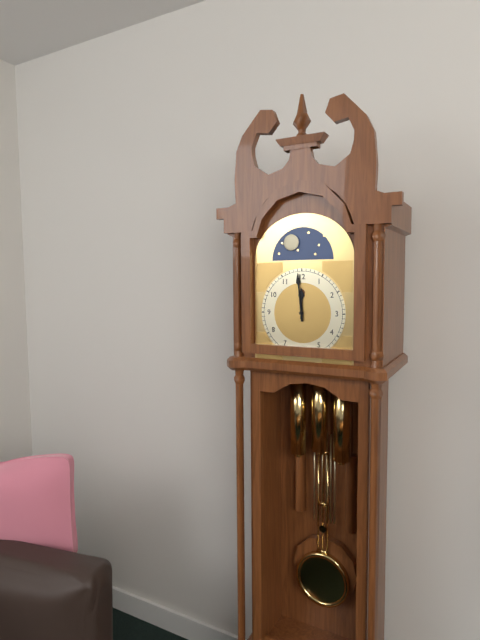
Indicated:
**11:59**
